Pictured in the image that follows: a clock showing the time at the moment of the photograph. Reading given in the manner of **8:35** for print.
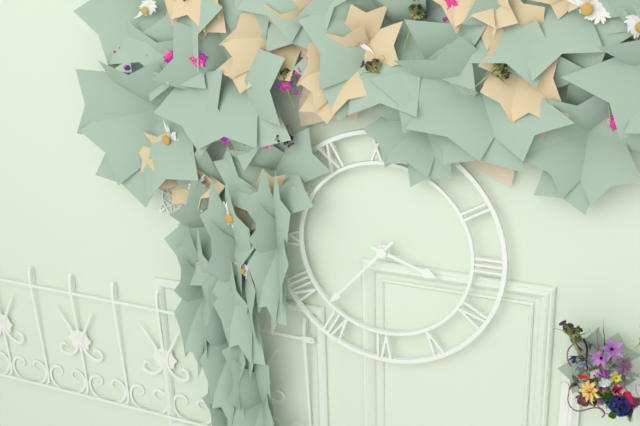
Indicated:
**3:37**
